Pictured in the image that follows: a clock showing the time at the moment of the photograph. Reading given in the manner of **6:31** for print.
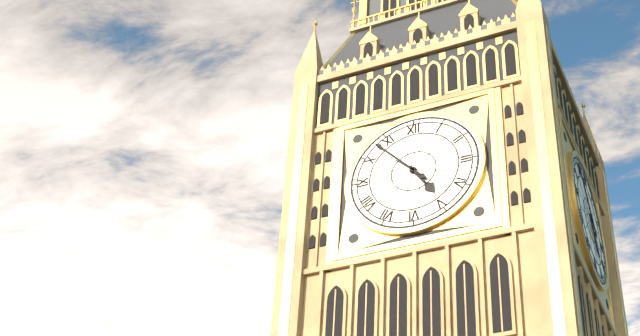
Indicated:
**4:53**
